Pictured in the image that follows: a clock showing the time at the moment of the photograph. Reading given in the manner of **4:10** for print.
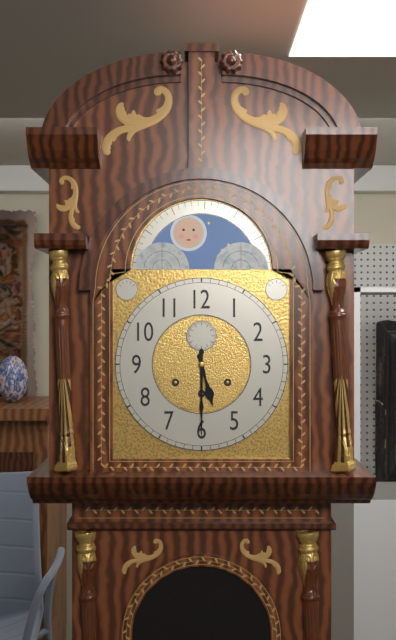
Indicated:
**5:30**
